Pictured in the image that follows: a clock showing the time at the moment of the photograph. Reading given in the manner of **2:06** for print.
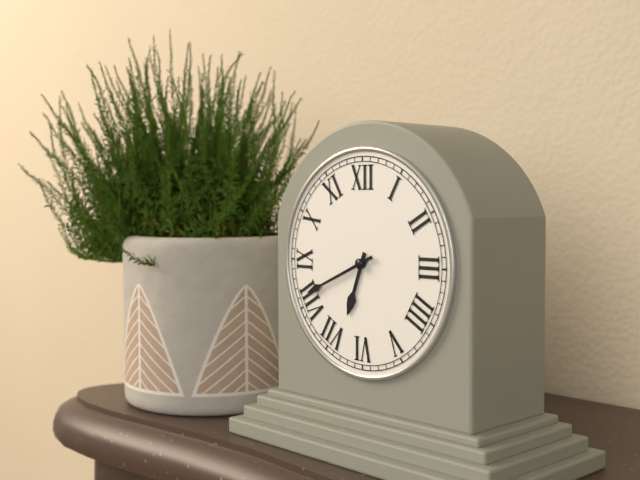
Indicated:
**6:41**
